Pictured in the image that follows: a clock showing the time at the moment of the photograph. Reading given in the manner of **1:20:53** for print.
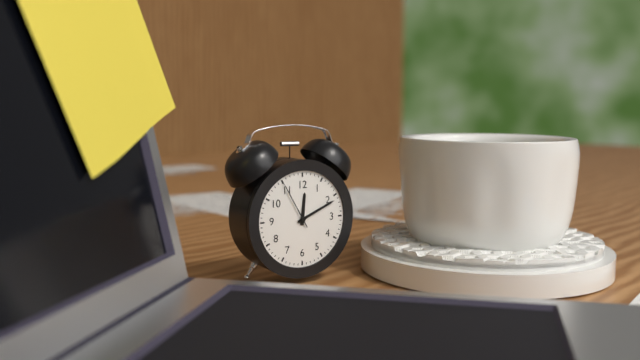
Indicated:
**12:11:55**
